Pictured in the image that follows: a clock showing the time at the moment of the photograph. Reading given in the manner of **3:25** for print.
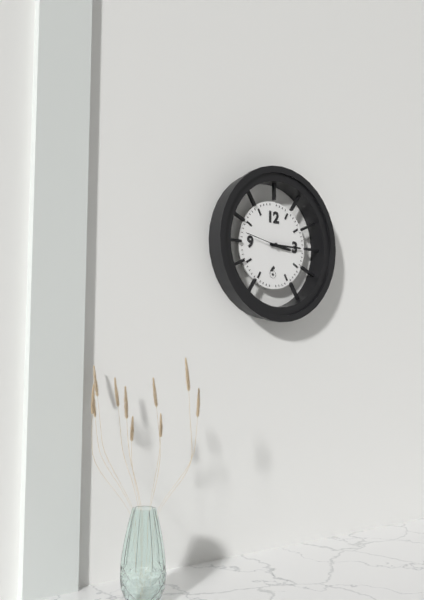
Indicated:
**3:15**
